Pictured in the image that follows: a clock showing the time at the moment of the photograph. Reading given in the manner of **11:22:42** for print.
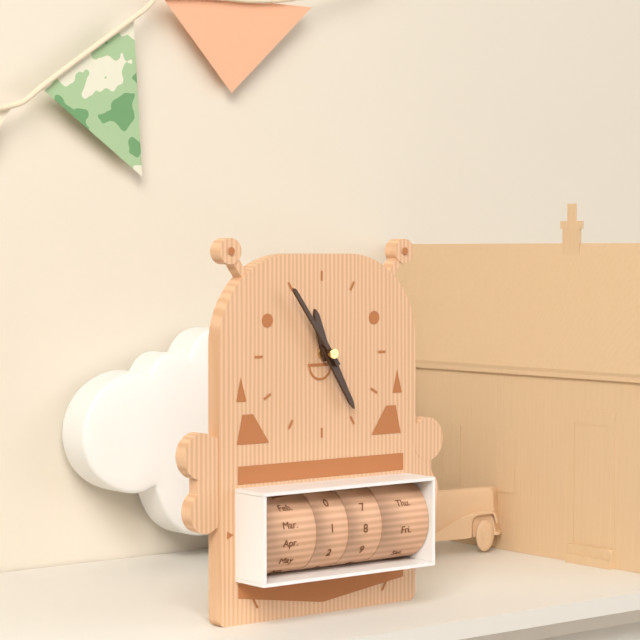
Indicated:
**11:25:54**
